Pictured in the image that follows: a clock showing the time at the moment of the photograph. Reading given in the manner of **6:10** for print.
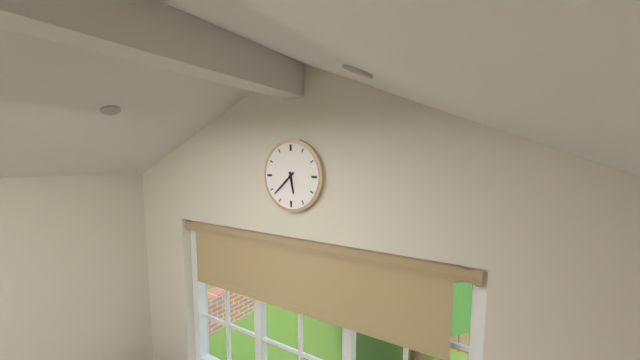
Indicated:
**5:38**
